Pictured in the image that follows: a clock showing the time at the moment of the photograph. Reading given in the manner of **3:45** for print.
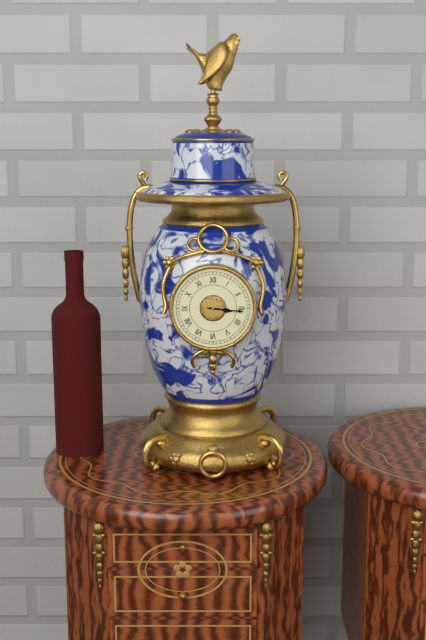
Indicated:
**3:16**
